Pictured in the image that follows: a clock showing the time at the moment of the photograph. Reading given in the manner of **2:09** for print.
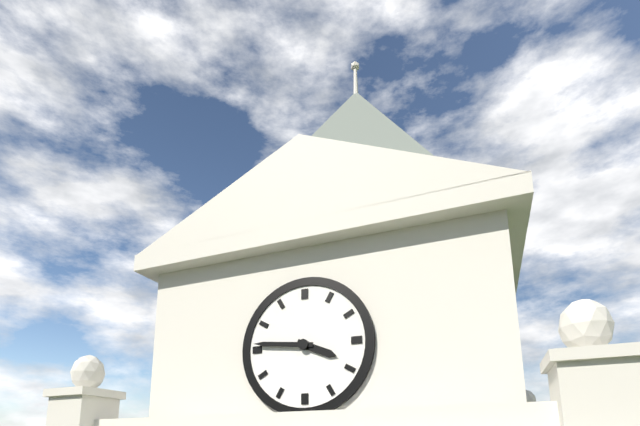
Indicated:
**3:46**
